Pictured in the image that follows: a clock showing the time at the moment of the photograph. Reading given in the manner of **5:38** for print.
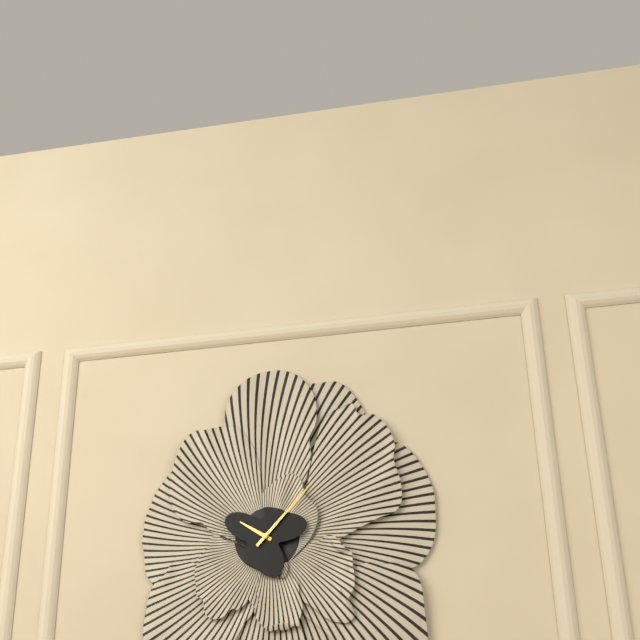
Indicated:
**10:07**
